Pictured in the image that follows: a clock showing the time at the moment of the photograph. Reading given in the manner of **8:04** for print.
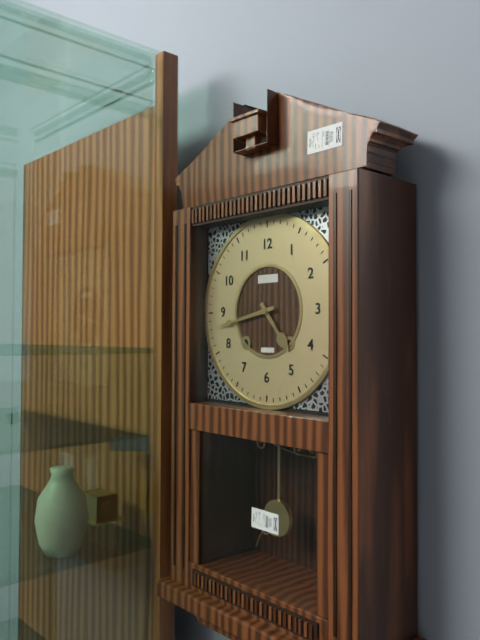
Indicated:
**4:43**
